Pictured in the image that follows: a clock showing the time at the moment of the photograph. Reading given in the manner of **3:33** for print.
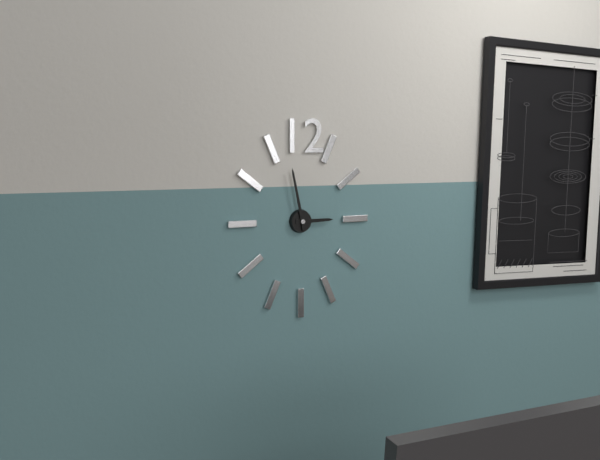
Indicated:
**2:58**
